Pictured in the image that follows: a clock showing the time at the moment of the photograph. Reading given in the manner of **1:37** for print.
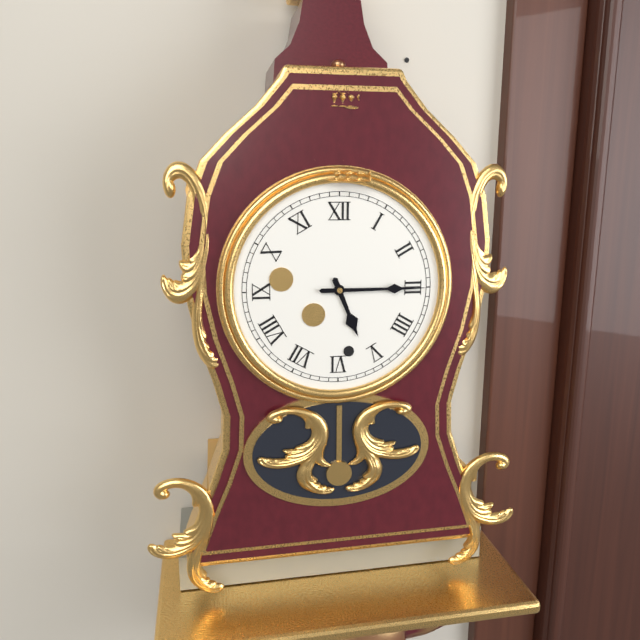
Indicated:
**5:15**
